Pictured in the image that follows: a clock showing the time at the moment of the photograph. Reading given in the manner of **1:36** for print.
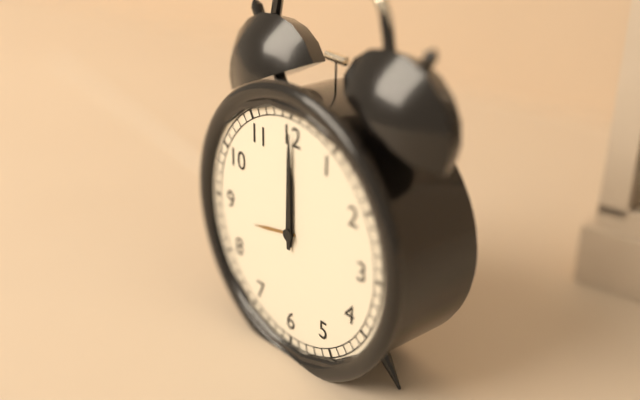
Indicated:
**12:00**
